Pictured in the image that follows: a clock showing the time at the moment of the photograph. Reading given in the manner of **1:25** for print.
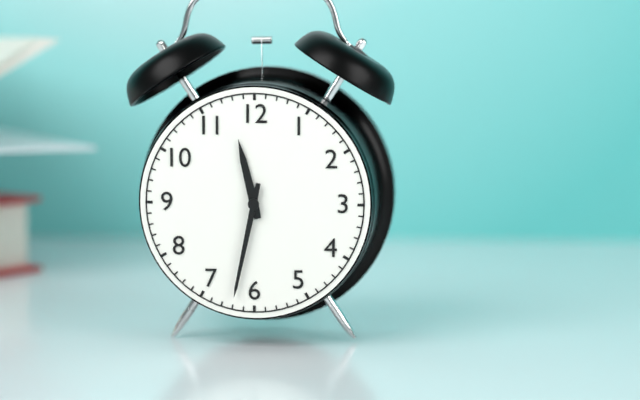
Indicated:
**11:32**
